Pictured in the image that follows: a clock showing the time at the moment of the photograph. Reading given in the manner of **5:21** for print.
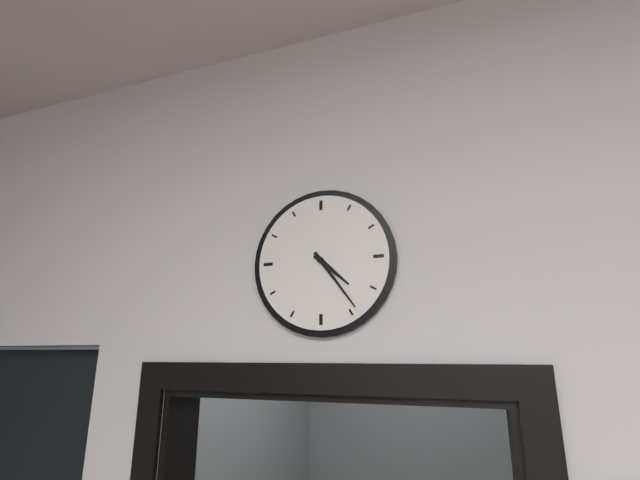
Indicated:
**4:24**
